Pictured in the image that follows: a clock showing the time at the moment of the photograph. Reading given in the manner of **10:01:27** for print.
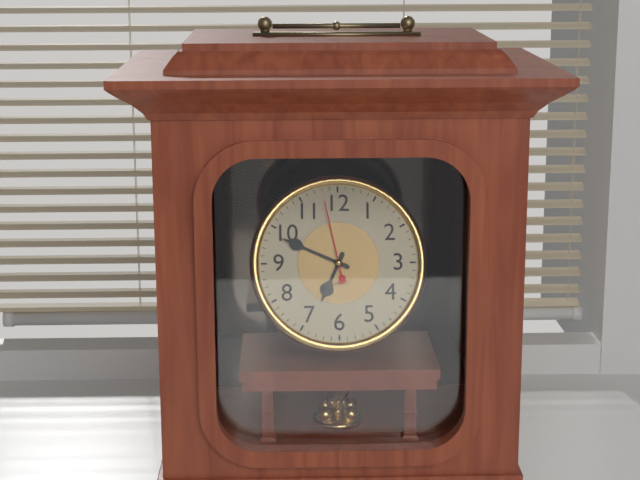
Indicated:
**6:49:58**
